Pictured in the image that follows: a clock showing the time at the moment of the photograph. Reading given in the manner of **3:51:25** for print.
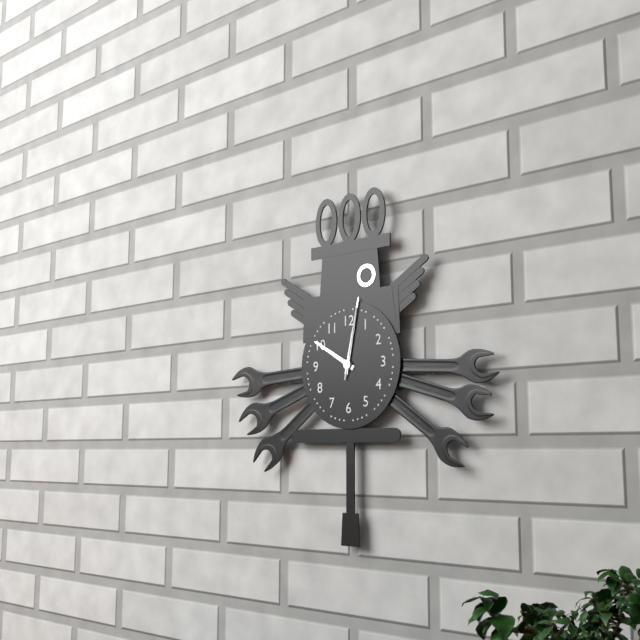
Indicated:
**10:02:02**
